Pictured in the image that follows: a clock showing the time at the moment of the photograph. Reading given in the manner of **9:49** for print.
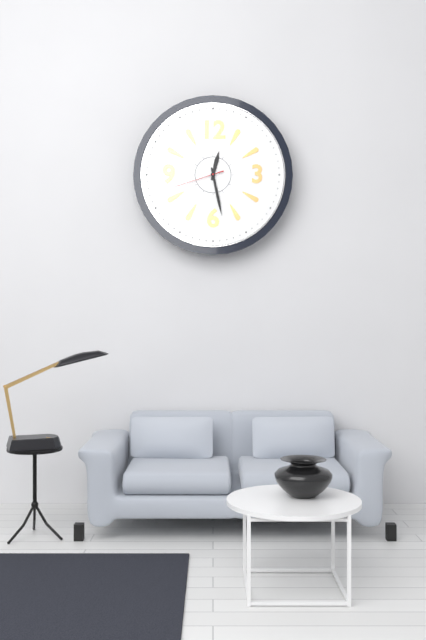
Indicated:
**12:28**
